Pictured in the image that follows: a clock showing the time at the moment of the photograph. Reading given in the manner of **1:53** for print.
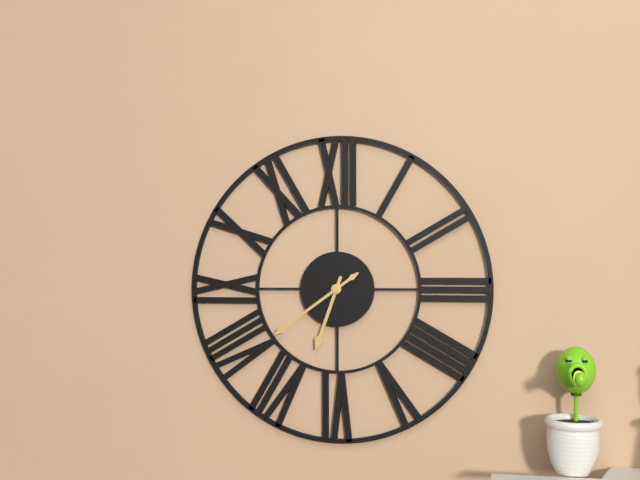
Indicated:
**6:39**
